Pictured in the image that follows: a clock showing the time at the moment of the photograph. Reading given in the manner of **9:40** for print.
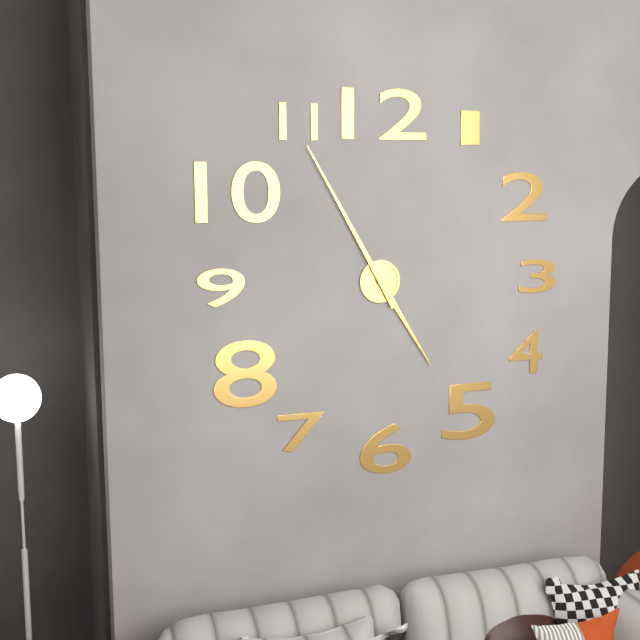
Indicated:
**4:55**
